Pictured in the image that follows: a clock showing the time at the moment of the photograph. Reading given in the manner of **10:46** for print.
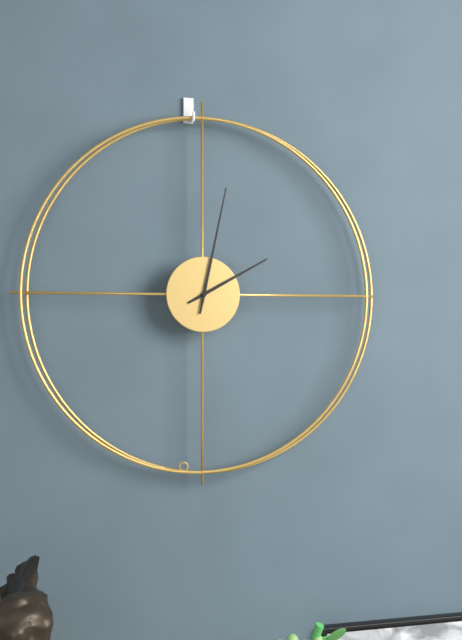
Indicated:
**2:02**
